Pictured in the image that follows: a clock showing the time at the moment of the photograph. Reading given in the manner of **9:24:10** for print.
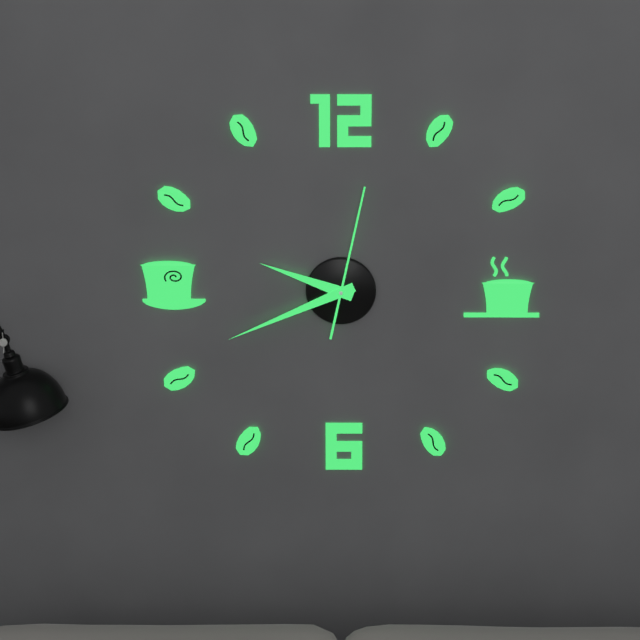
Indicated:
**9:41:02**
